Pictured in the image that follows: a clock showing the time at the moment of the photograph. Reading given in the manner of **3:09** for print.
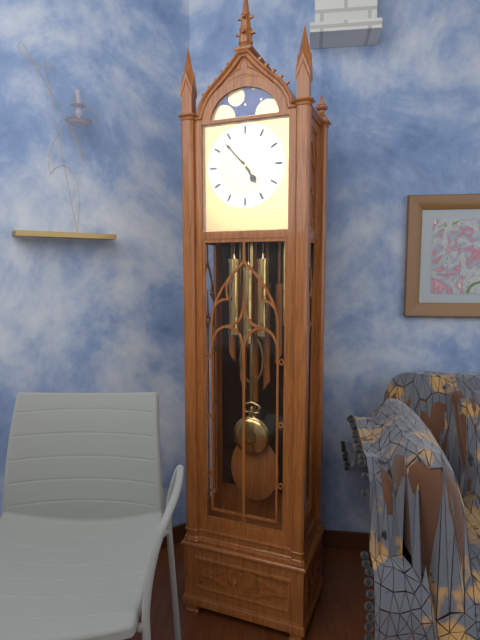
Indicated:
**4:53**
